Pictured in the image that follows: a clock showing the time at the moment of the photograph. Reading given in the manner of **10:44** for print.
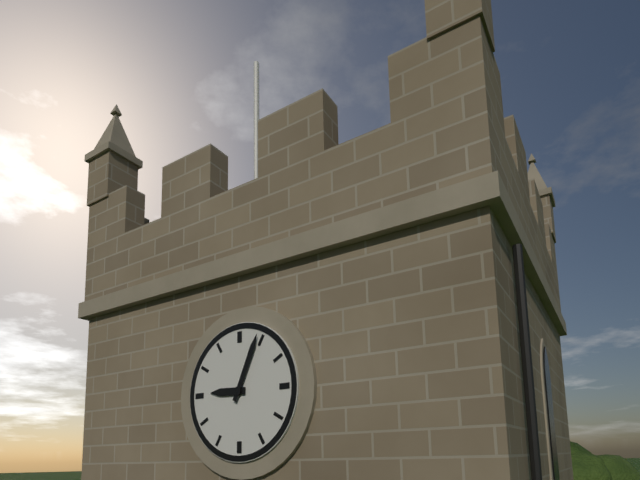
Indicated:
**9:04**
